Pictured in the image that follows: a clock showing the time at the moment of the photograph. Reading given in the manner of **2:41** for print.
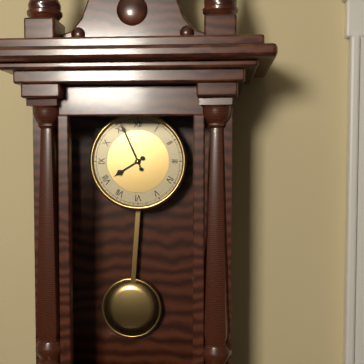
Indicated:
**7:56**
